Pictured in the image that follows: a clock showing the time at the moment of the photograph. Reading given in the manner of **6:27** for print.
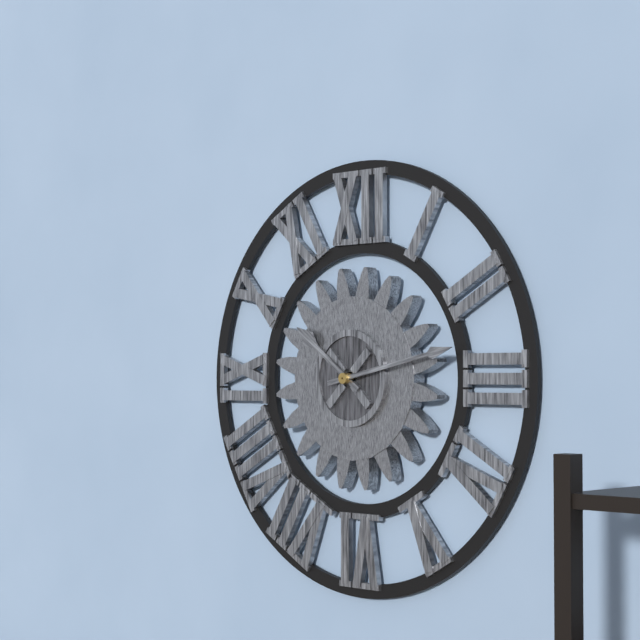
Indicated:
**10:13**
